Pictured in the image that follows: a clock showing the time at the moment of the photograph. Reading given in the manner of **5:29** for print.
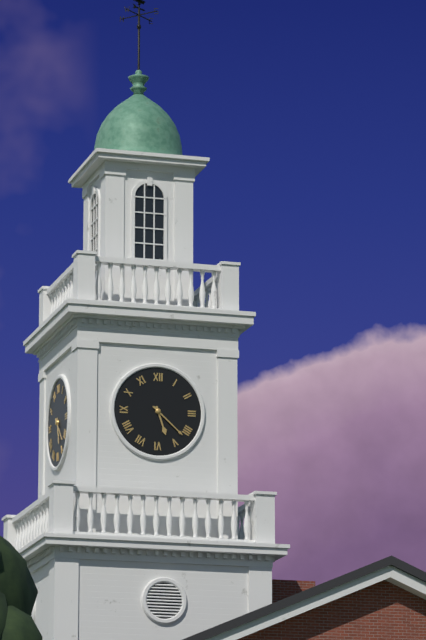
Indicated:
**5:22**
